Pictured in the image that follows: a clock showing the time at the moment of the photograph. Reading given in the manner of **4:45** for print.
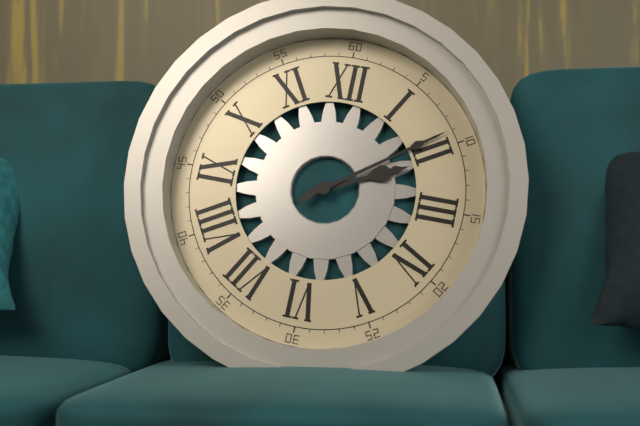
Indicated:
**2:09**
